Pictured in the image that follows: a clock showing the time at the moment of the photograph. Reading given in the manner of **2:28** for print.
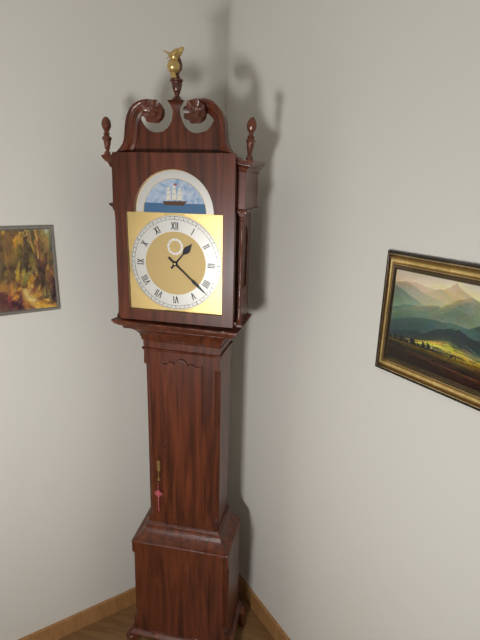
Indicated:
**1:22**
